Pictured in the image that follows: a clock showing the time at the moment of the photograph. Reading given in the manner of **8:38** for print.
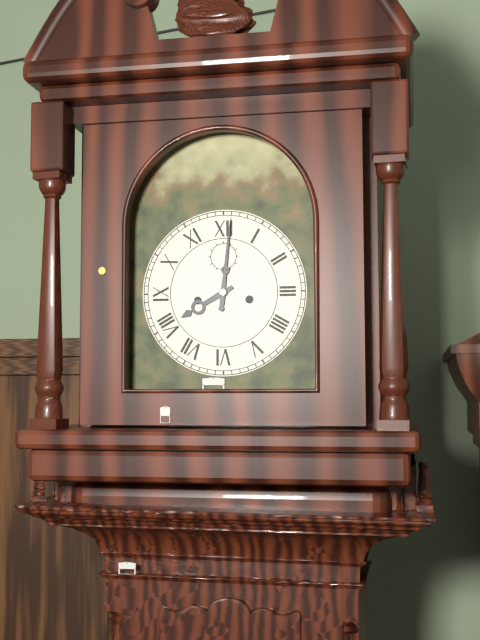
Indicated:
**8:01**
